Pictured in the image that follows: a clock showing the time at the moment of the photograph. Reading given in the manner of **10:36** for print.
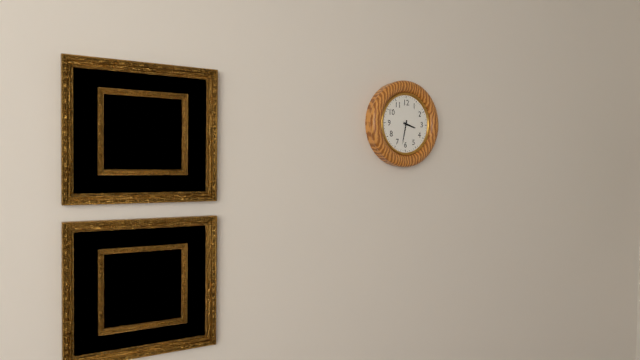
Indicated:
**3:32**
